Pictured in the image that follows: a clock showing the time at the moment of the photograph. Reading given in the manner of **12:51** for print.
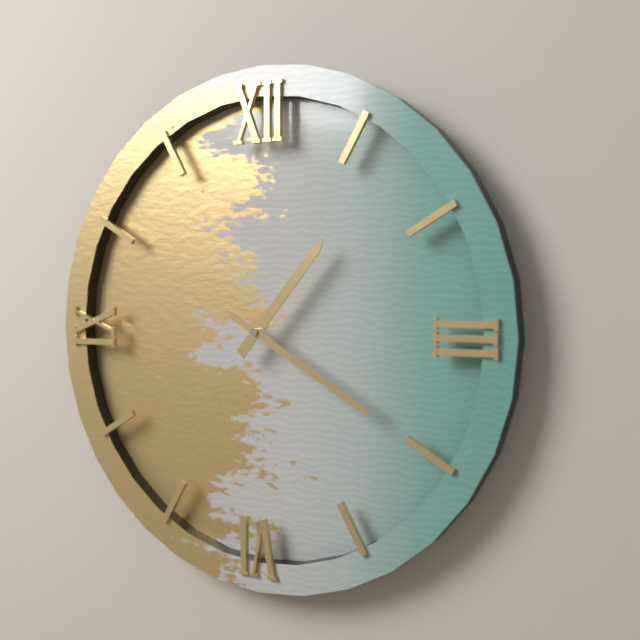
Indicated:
**1:20**
